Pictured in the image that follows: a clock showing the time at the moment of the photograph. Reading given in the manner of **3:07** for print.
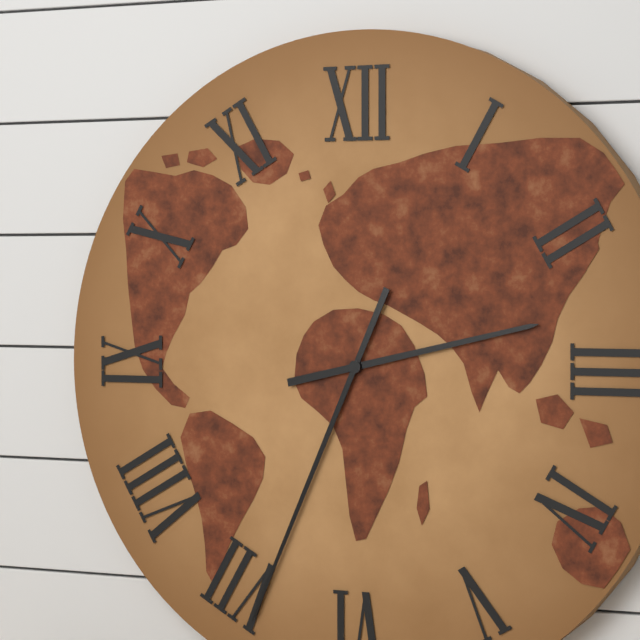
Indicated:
**2:34**
